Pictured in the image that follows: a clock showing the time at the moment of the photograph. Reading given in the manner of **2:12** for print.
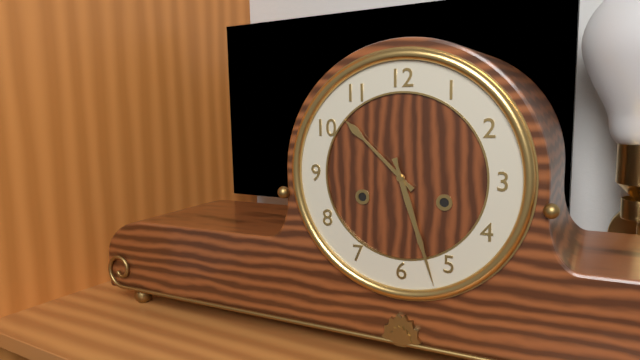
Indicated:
**10:27**
